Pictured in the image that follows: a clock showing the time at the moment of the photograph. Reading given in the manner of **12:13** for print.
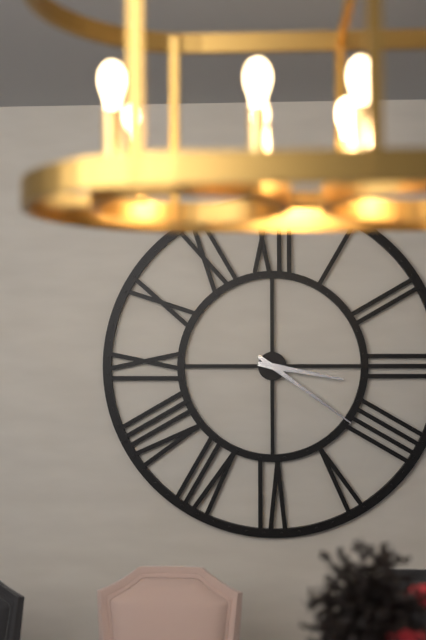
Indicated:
**3:21**
